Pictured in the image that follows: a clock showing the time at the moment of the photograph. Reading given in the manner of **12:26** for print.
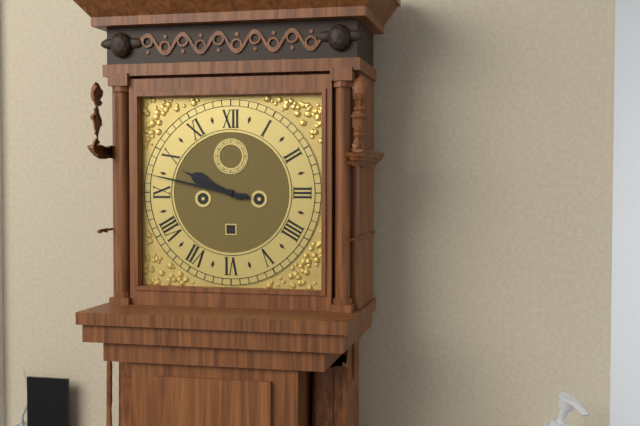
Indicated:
**9:47**
